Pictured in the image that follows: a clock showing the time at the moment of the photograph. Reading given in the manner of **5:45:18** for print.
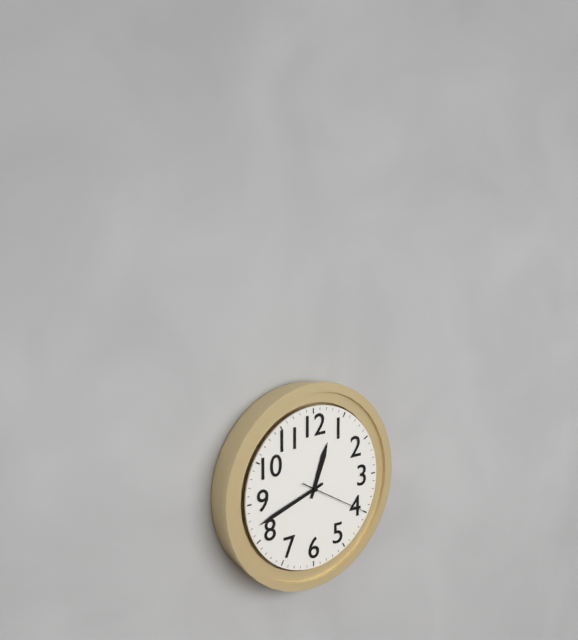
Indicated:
**12:42:20**
